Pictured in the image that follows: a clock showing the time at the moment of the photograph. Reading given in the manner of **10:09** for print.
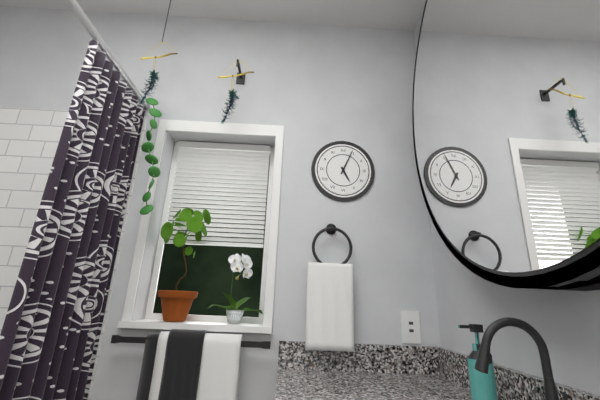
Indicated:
**5:04**
